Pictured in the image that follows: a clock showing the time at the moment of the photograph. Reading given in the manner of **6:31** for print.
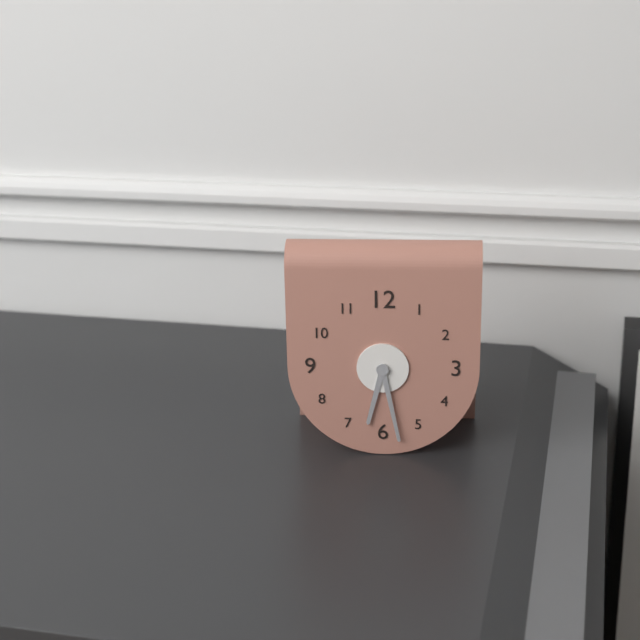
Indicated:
**6:28**
